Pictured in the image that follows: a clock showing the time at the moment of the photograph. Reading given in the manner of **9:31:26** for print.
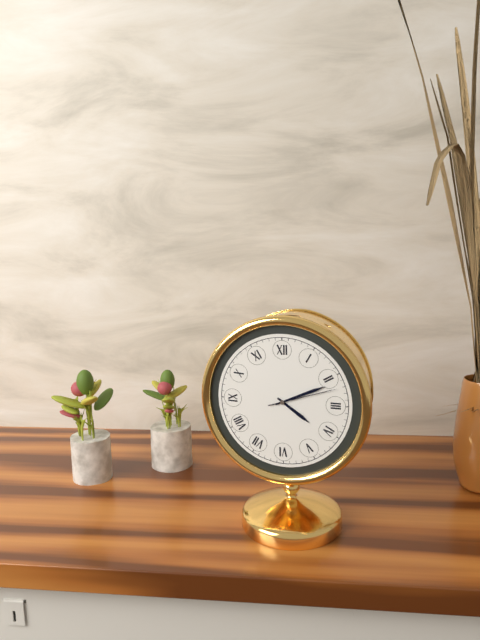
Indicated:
**4:11:12**
